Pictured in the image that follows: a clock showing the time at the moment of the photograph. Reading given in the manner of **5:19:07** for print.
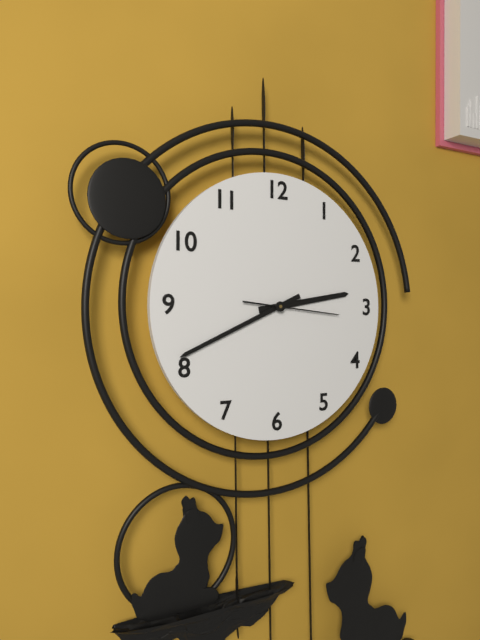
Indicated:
**2:41:16**
